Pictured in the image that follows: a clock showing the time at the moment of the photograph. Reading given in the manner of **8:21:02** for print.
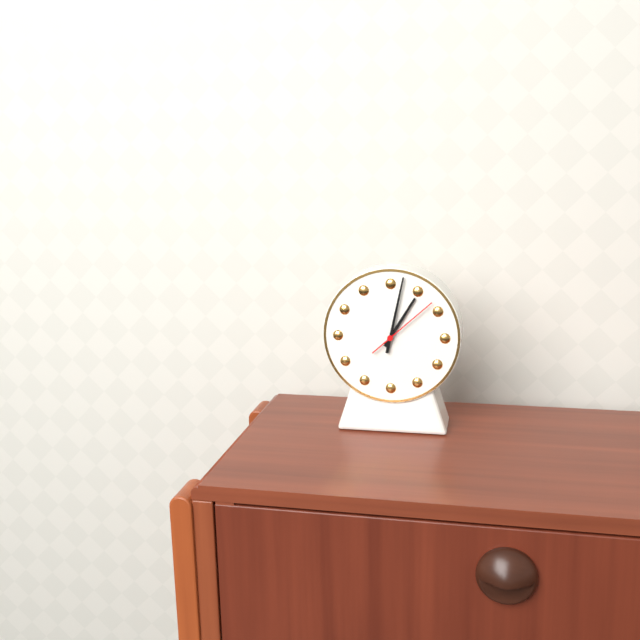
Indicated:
**1:02:08**
